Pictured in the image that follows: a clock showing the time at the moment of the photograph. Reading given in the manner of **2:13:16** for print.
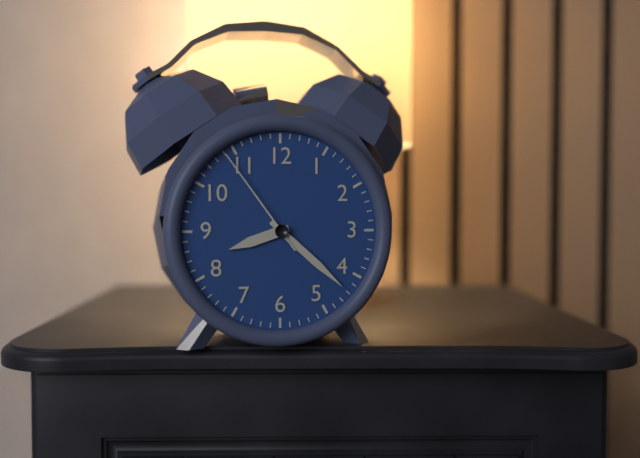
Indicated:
**8:22:54**
